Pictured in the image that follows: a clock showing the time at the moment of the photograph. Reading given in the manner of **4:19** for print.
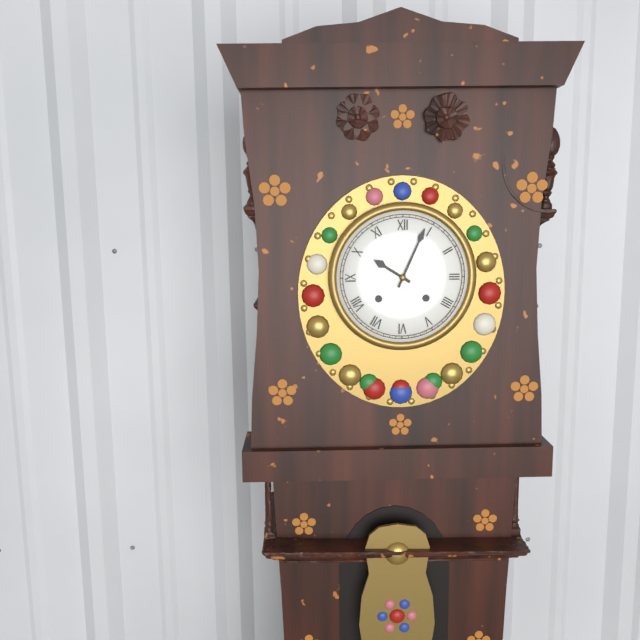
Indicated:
**10:04**
